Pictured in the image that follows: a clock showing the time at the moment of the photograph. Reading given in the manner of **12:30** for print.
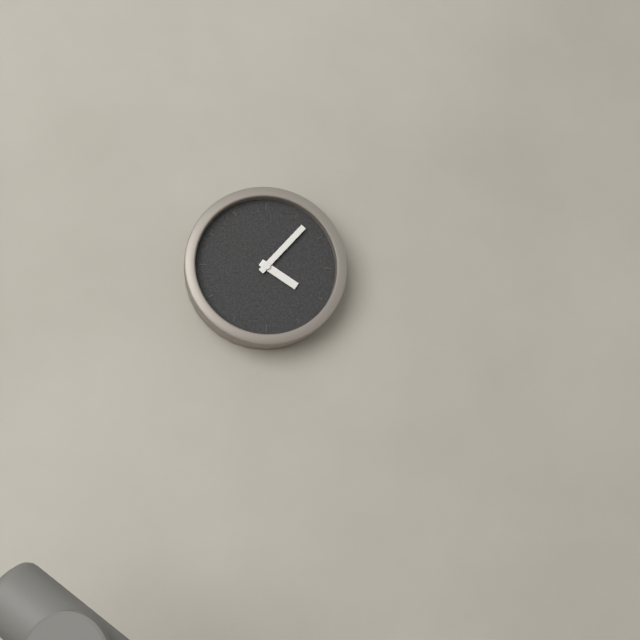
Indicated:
**4:07**
